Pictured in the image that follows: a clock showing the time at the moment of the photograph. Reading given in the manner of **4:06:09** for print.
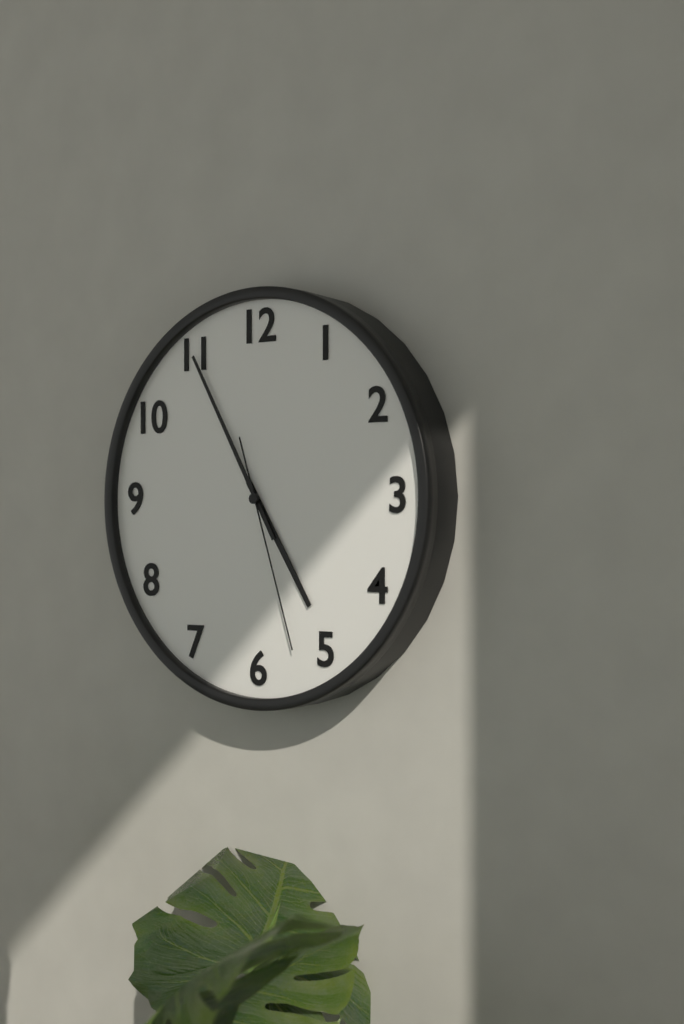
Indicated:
**4:55:27**
